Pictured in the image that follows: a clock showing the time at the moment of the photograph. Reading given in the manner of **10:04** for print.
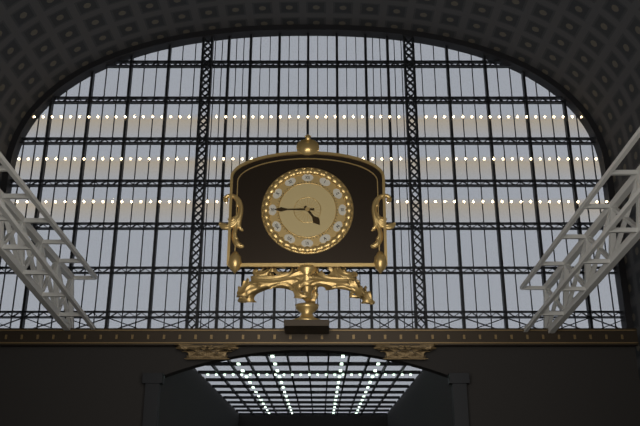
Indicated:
**4:45**
